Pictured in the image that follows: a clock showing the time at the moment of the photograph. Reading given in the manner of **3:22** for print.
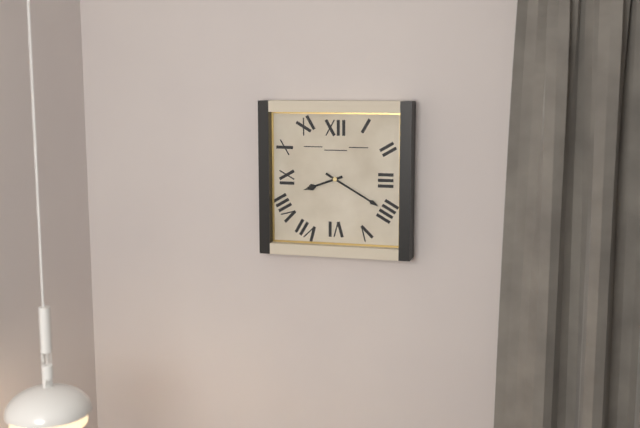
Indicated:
**8:20**
